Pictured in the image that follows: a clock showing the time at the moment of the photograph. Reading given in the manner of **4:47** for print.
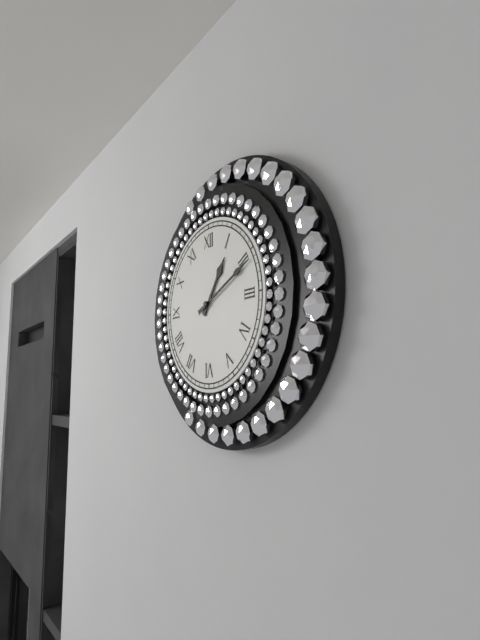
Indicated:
**1:11**
